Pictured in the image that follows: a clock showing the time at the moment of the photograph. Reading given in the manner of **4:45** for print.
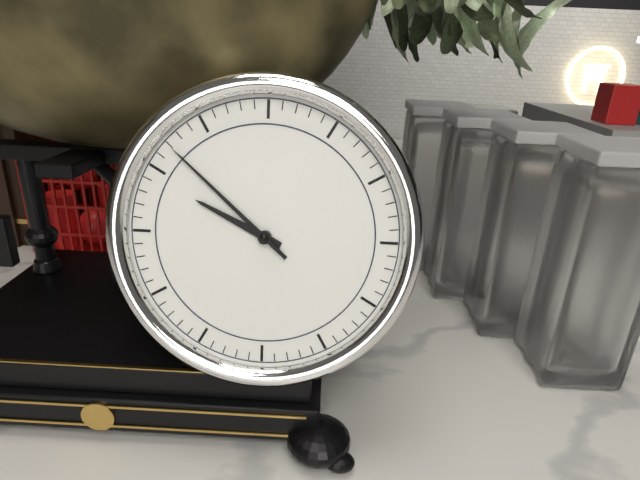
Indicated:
**9:52**
